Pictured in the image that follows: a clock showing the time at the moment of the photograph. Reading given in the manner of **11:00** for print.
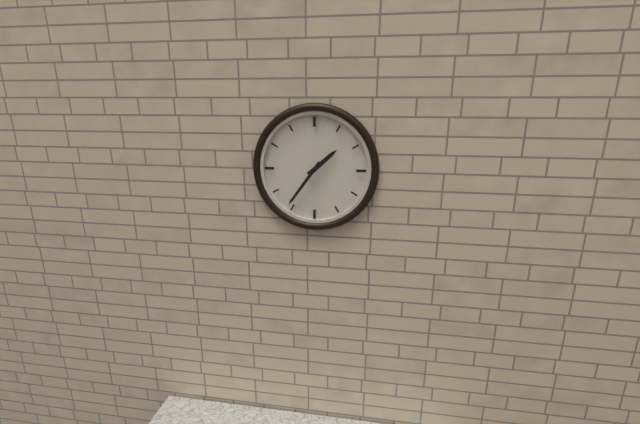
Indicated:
**1:36**
